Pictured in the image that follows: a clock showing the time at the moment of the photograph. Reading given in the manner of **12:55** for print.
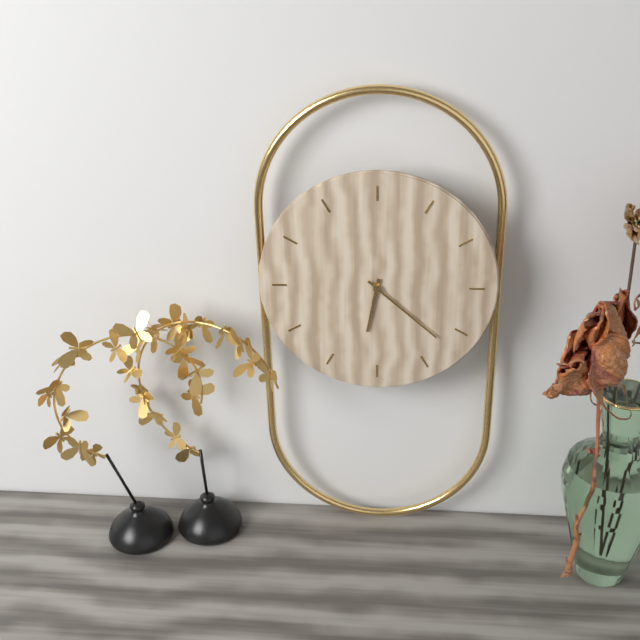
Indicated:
**6:22**
